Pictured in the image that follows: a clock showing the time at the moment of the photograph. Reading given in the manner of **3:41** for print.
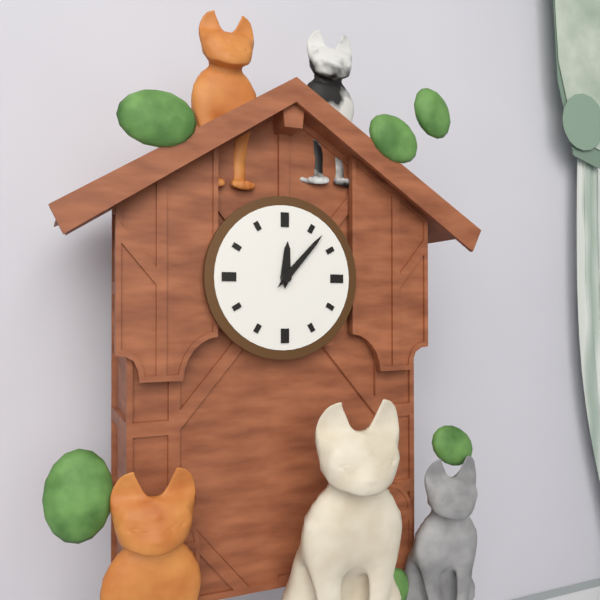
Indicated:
**12:07**
